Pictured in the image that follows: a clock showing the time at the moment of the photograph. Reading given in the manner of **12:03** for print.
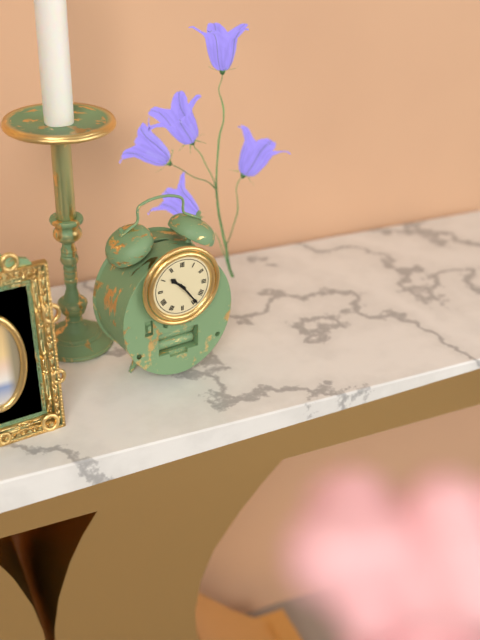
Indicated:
**10:24**
